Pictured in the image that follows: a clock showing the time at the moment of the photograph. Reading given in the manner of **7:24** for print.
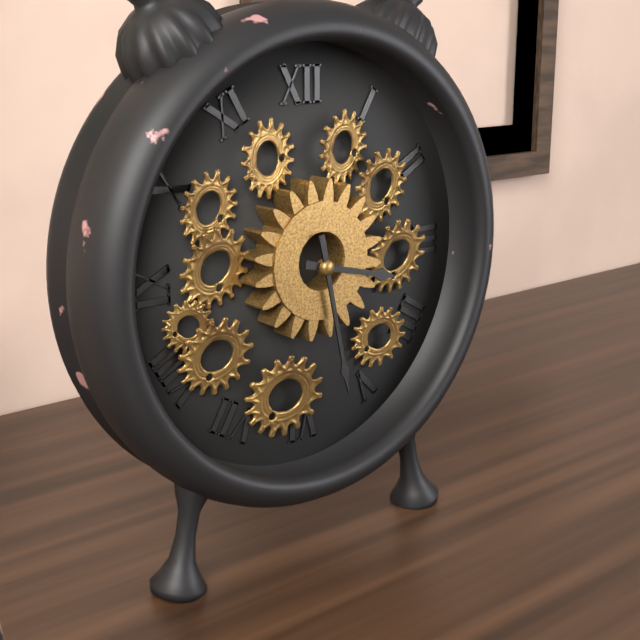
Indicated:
**3:28**
